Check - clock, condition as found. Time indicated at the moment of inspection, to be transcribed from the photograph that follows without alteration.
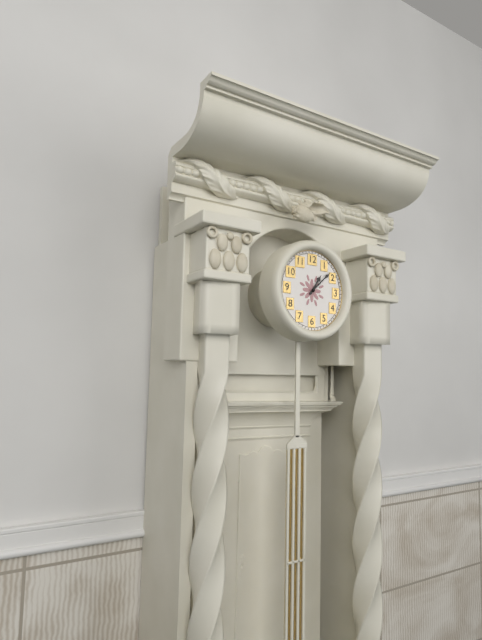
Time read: 1:08
